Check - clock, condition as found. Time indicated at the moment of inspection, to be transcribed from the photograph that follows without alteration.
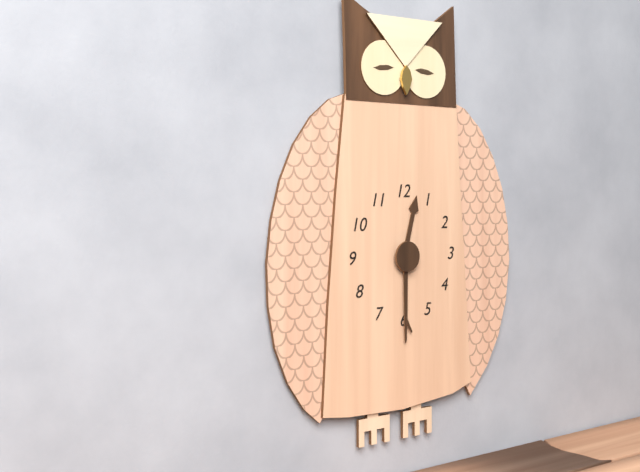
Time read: 12:30
